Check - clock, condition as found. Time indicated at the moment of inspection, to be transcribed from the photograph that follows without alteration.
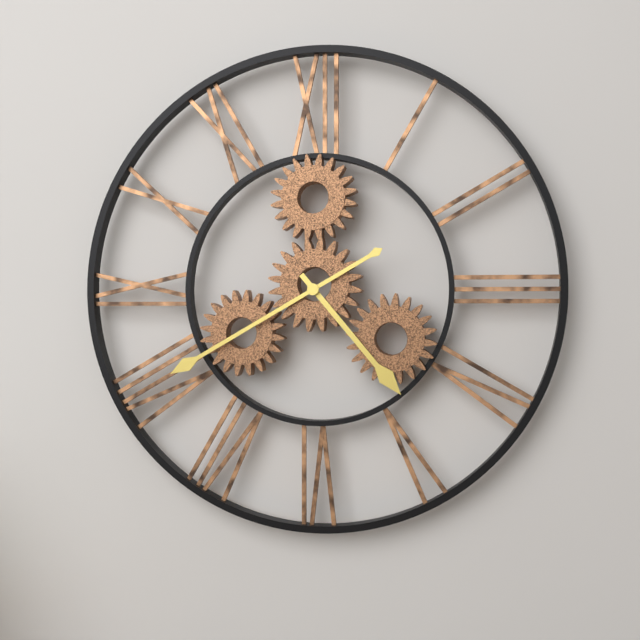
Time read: 4:40
